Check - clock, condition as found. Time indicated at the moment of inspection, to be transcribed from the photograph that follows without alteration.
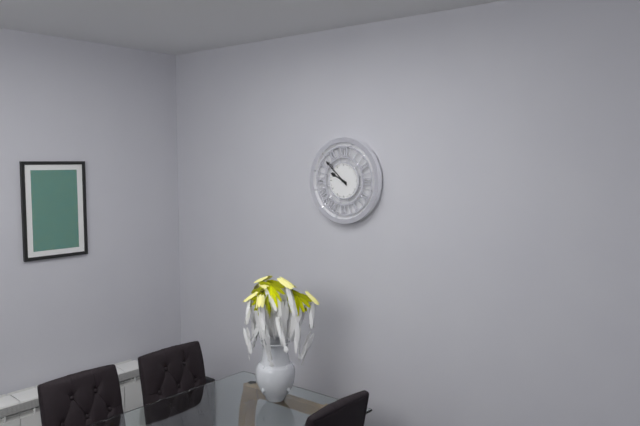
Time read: 9:52
